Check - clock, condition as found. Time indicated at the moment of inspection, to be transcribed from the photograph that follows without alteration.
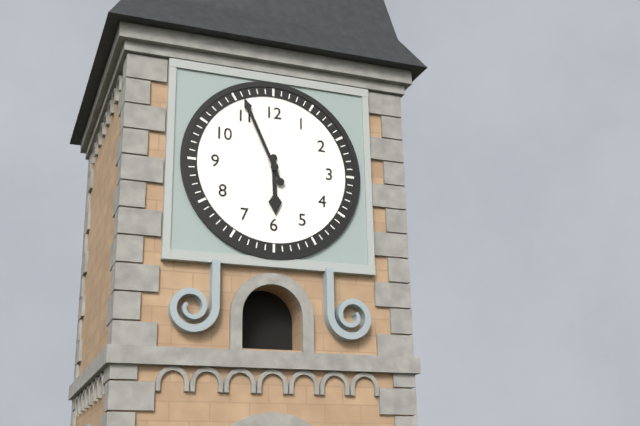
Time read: 5:56
